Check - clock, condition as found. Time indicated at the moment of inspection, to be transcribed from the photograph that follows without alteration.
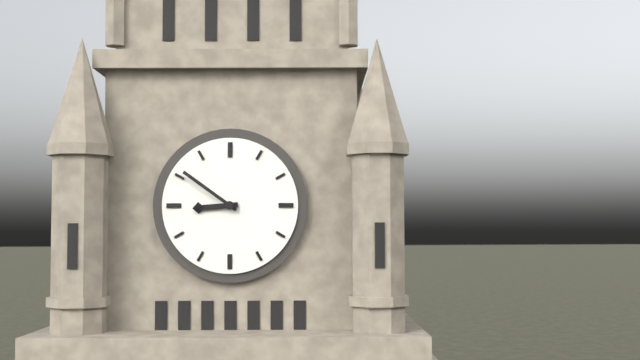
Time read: 8:51
